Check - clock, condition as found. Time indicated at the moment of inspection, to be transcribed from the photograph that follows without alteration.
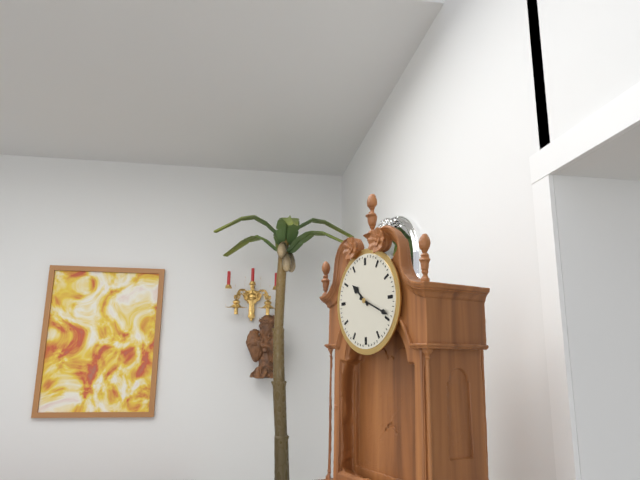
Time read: 10:19
